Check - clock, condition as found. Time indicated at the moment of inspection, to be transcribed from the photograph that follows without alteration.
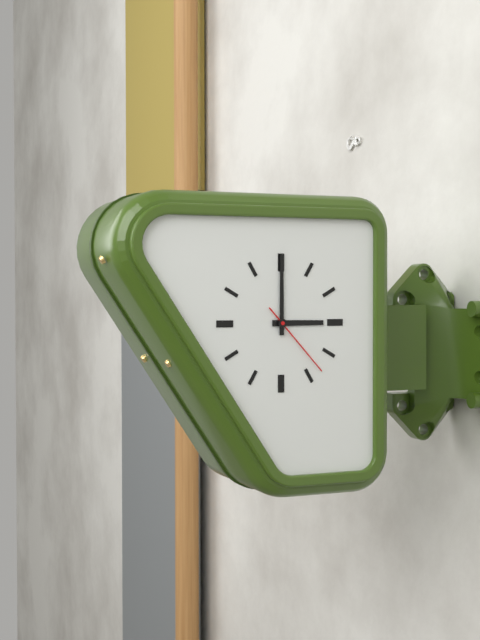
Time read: 3:00:23
